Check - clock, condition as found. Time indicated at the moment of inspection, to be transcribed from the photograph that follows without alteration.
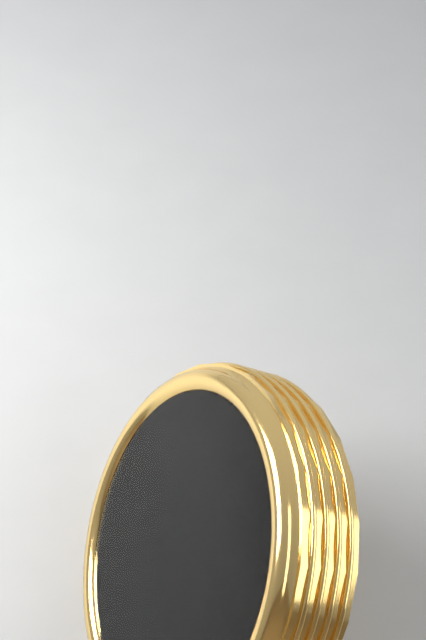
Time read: 6:13:22
